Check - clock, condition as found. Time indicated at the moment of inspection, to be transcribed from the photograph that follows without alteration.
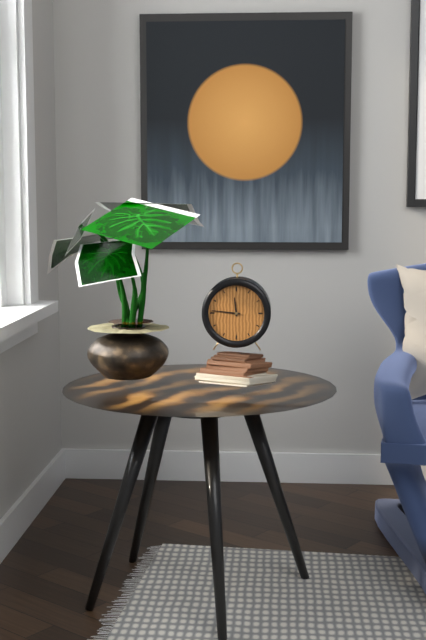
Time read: 11:46
